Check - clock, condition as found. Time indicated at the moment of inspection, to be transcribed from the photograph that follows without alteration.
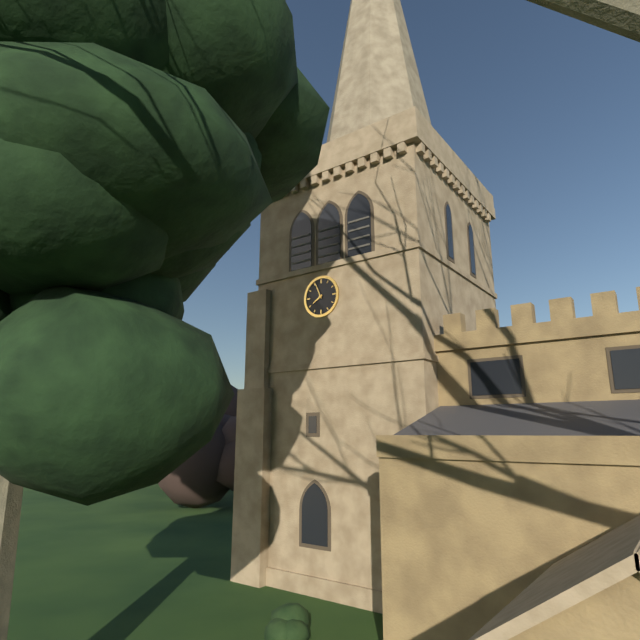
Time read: 7:56
